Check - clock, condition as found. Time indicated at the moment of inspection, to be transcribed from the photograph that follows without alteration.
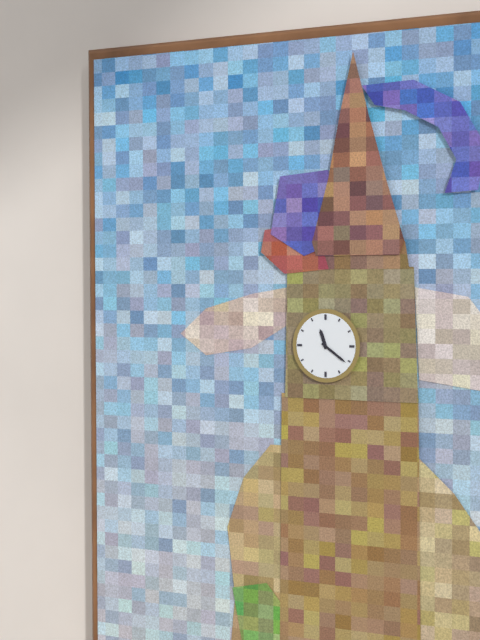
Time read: 11:21
